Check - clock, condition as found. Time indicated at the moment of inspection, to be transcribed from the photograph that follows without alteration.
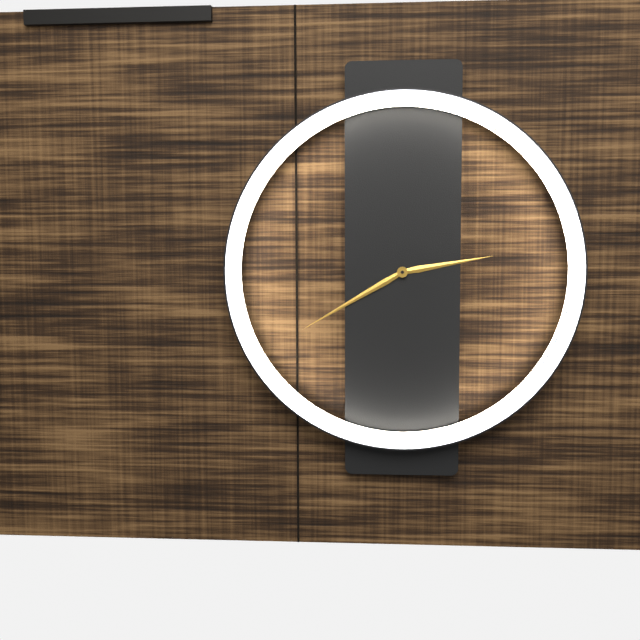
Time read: 2:40
